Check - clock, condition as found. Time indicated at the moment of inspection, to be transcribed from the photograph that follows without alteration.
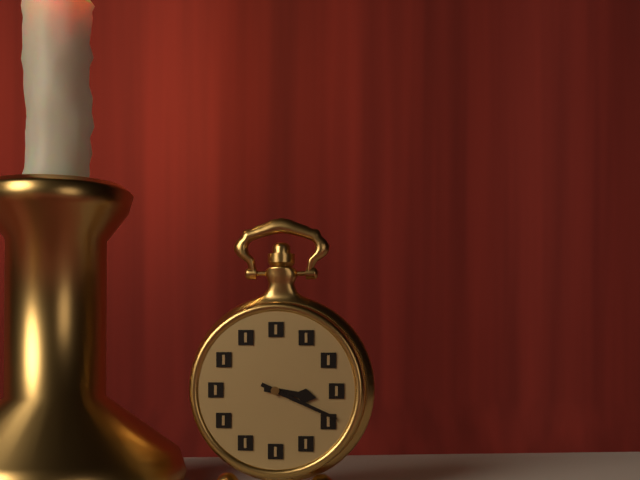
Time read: 3:19
